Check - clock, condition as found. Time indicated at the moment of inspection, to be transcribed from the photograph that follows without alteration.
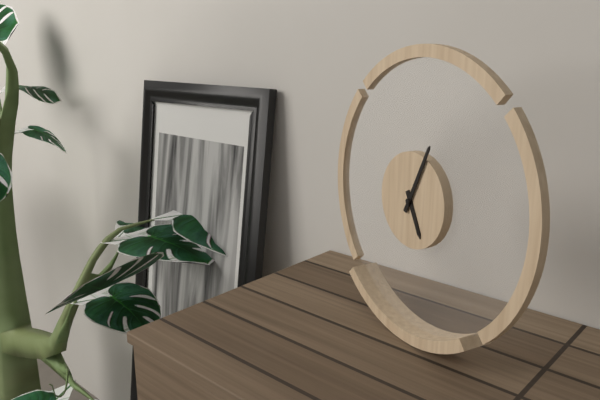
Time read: 5:04
